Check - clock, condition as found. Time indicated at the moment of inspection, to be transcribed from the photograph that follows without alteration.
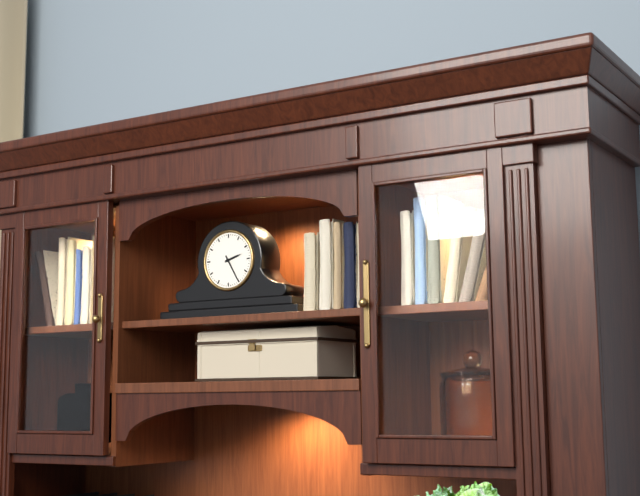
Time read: 2:25
